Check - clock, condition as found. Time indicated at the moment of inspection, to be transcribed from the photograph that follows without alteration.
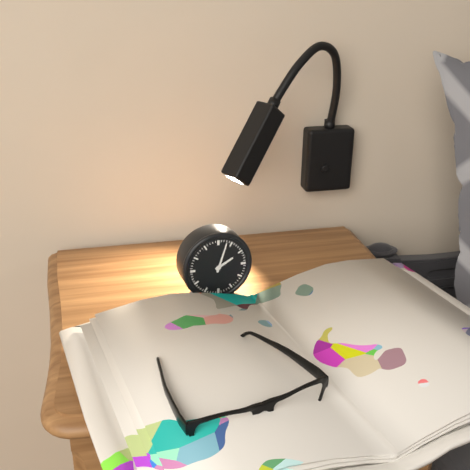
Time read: 2:03
